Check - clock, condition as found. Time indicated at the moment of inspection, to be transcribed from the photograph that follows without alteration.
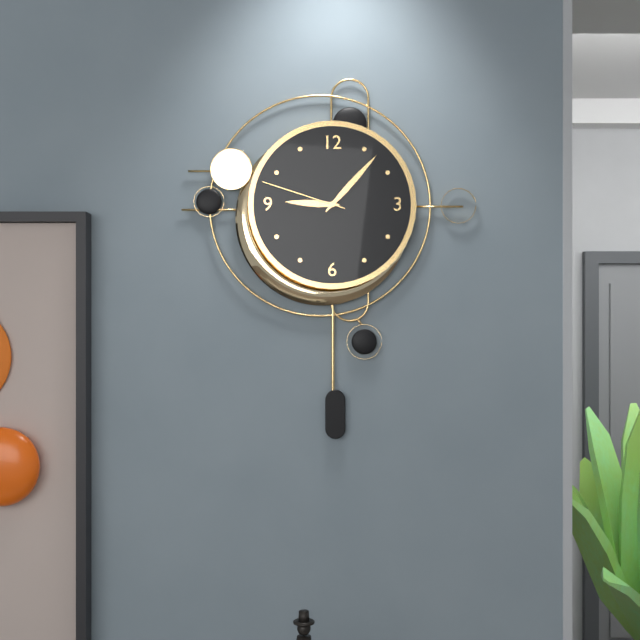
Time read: 9:07:48
